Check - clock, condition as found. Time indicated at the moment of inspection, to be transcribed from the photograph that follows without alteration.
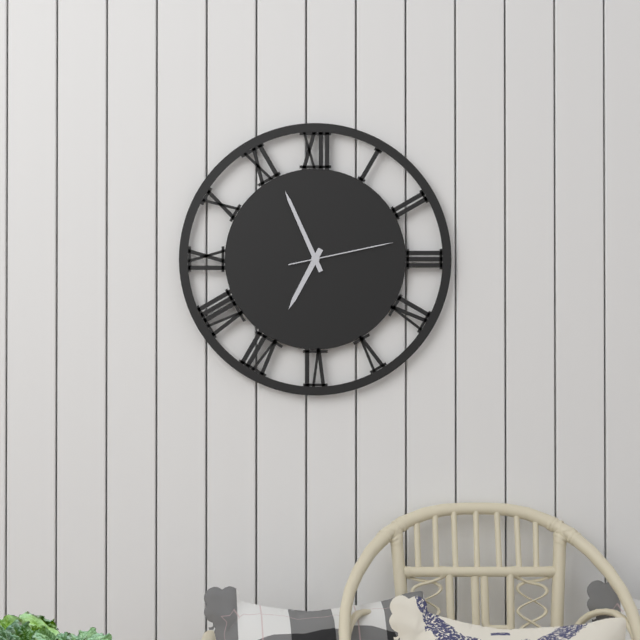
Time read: 6:56:13
